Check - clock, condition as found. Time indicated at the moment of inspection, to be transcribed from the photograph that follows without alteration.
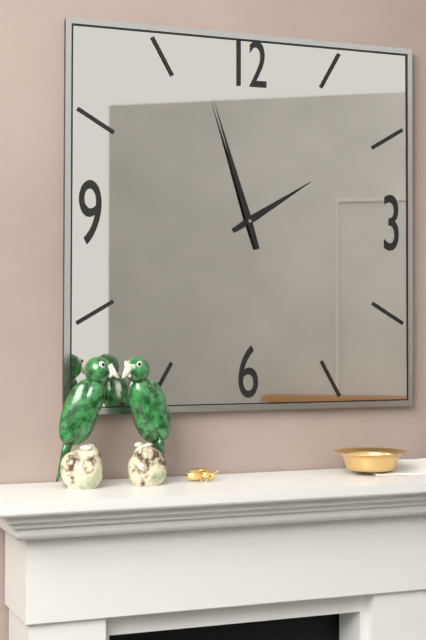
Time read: 1:57
